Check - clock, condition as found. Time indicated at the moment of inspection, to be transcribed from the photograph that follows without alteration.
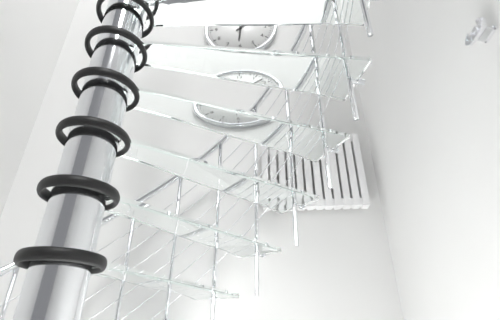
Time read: 6:08
